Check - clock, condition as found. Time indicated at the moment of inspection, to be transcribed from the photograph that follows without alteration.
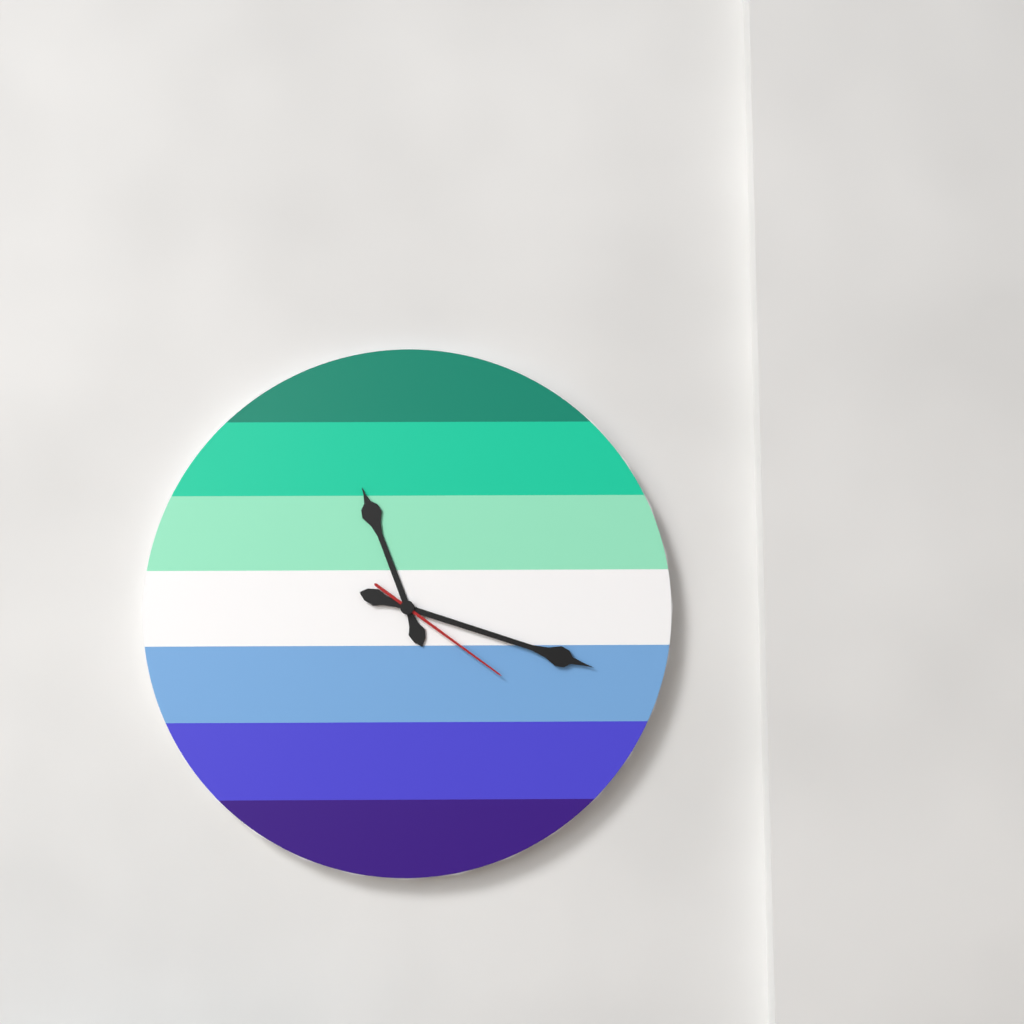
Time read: 11:18:21
